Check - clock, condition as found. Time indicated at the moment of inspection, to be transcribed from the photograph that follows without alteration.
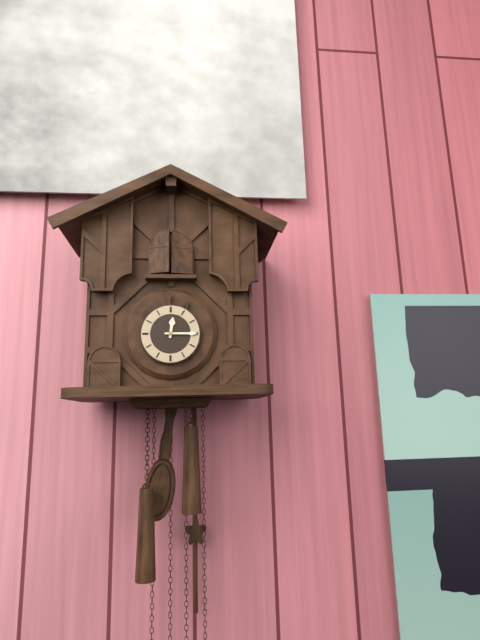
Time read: 12:15
